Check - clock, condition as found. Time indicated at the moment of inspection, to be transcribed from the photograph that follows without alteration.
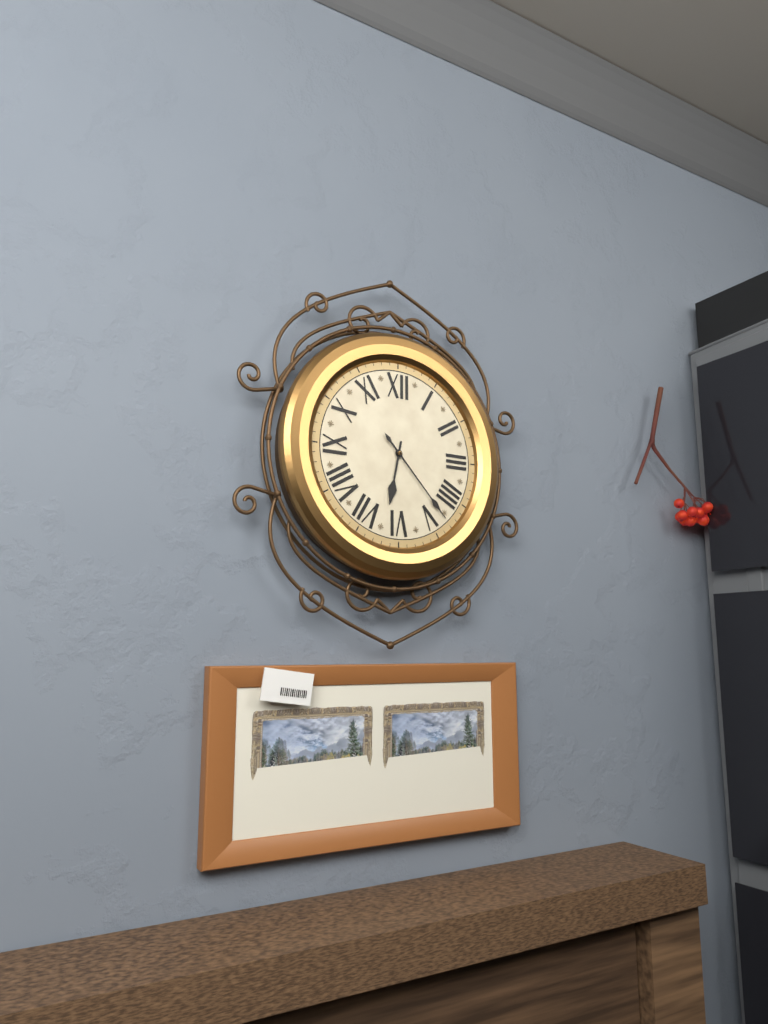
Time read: 6:23
